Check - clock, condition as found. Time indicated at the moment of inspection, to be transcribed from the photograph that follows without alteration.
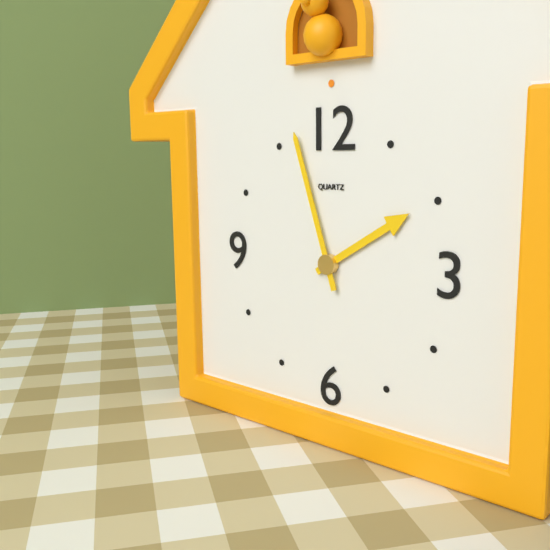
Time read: 1:57
